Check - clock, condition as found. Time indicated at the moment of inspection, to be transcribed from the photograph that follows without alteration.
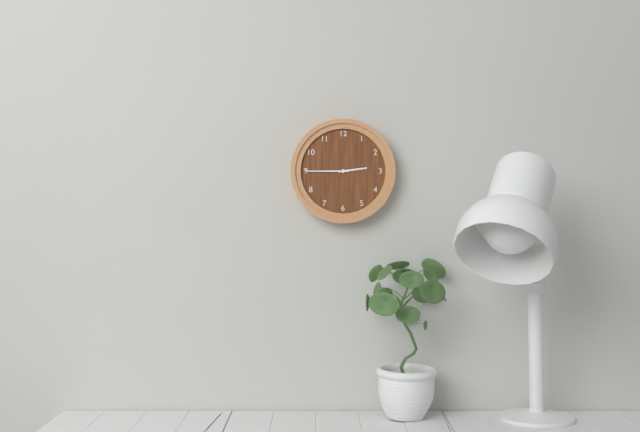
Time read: 2:45
